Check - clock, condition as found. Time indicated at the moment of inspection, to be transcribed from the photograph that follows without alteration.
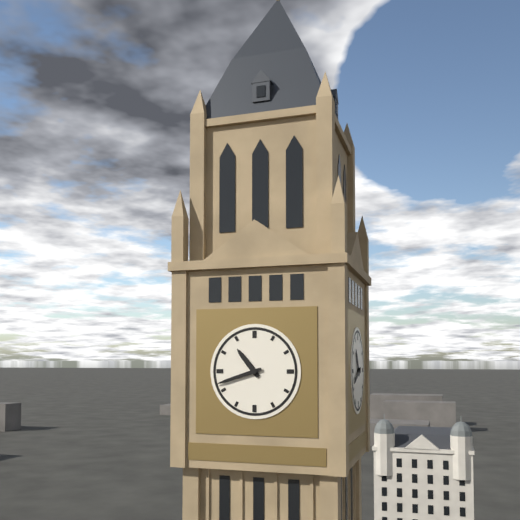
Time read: 10:42
